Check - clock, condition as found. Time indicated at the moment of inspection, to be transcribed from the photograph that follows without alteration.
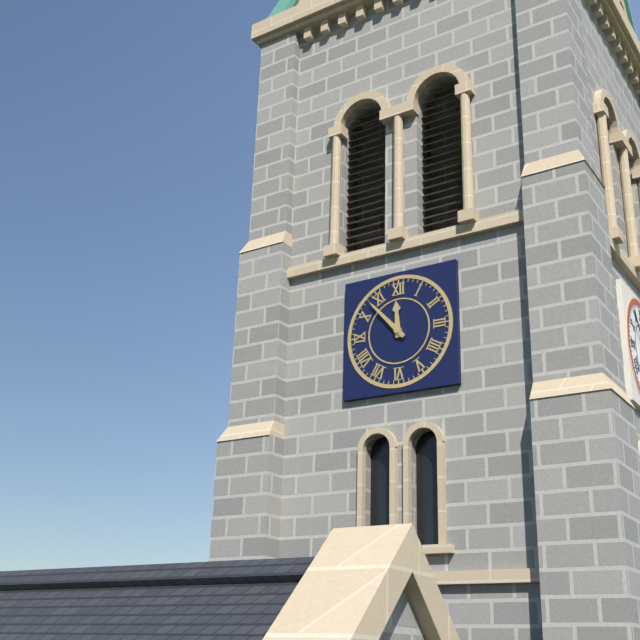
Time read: 11:53
